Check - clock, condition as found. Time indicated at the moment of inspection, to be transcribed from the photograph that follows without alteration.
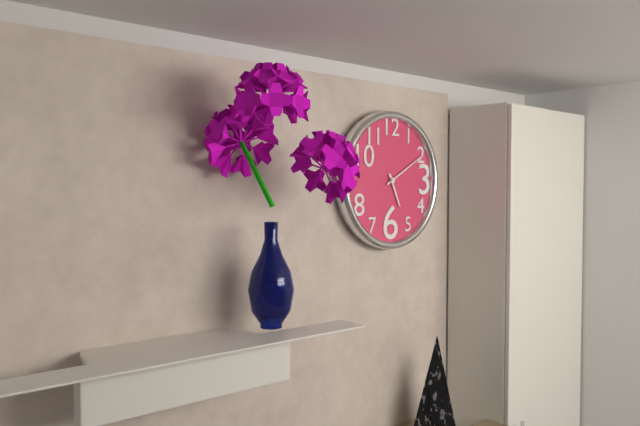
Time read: 5:10
